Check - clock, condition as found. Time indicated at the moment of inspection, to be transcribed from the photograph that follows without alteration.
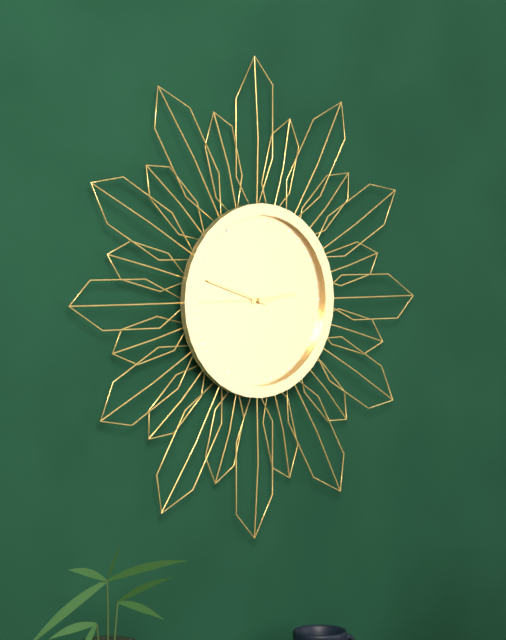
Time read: 2:48:45
